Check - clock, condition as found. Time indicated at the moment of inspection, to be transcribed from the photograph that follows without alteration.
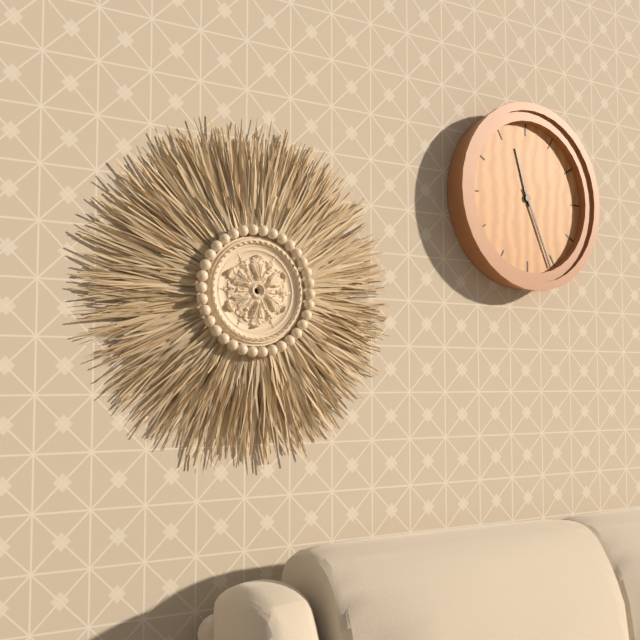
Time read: 11:26
